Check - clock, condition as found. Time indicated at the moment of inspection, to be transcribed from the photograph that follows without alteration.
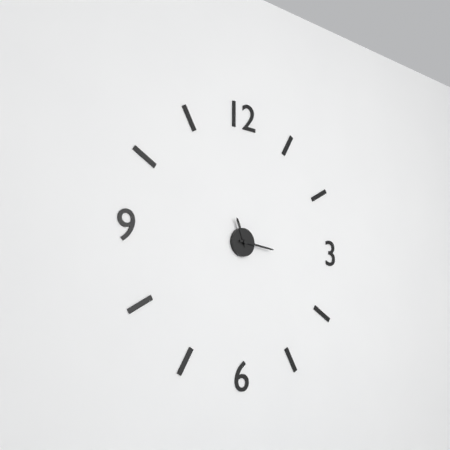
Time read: 11:16
